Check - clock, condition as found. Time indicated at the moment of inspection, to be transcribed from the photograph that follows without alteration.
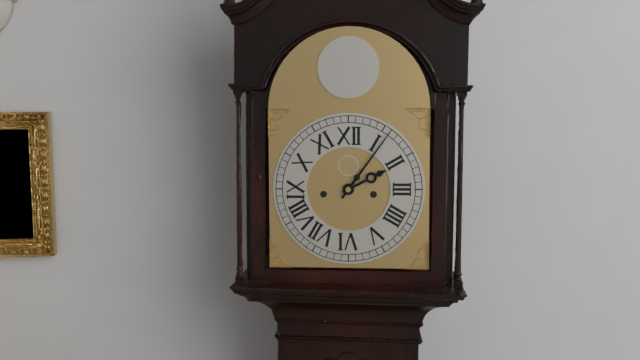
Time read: 2:06
